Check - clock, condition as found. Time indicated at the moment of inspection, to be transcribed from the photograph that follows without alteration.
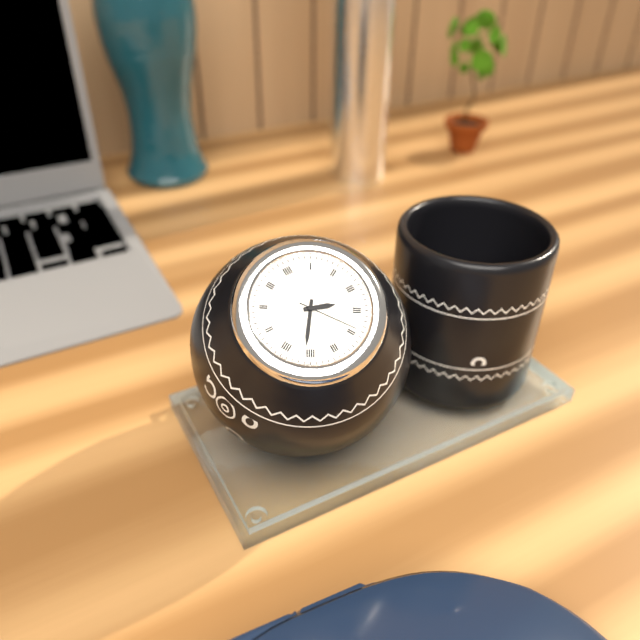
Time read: 3:36:24
